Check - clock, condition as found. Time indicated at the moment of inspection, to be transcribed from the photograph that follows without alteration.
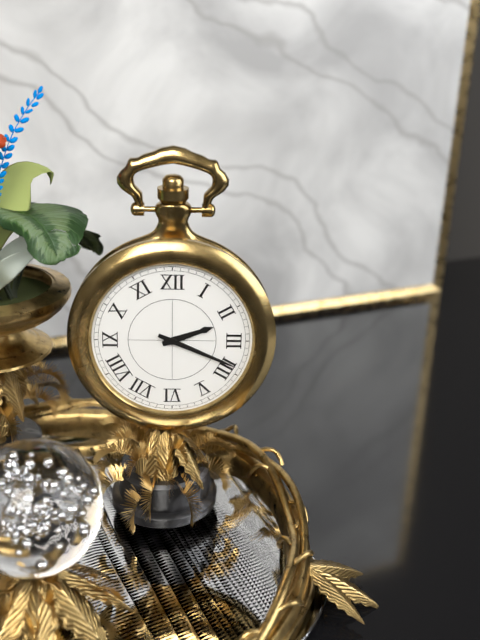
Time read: 2:19
